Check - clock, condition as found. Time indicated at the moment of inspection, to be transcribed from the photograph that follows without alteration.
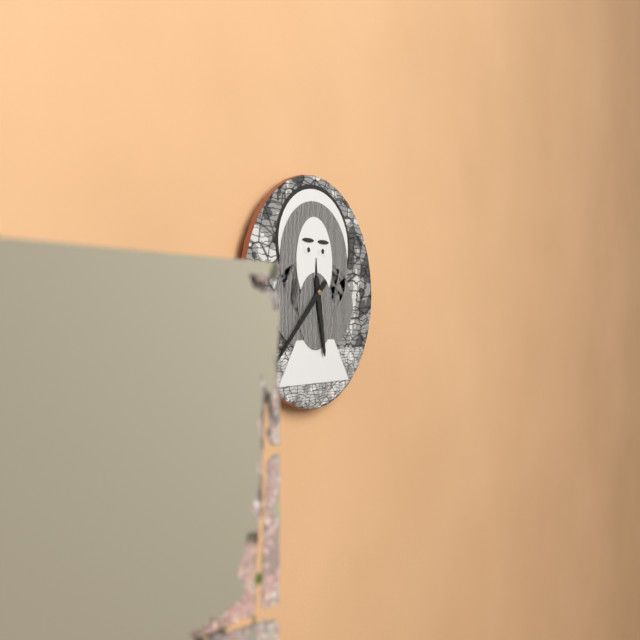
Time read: 5:38
